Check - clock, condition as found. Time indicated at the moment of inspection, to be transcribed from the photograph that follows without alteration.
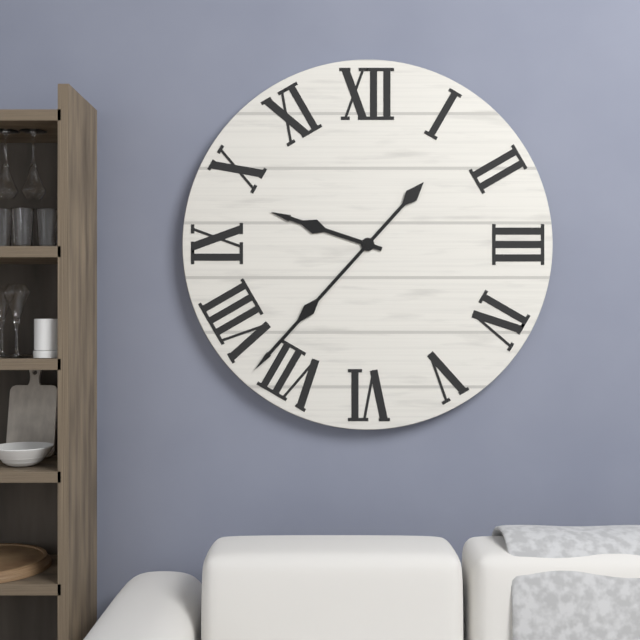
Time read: 9:37
